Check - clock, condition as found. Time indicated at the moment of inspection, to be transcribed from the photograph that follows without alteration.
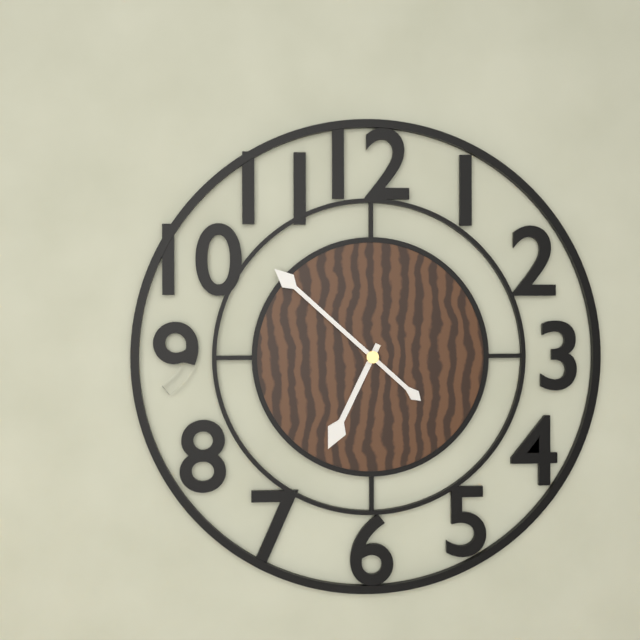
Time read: 6:52
